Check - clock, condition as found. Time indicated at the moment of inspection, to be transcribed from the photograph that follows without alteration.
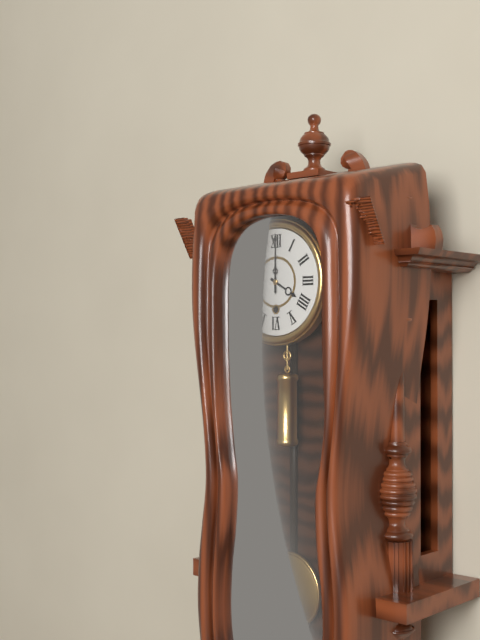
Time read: 4:00
